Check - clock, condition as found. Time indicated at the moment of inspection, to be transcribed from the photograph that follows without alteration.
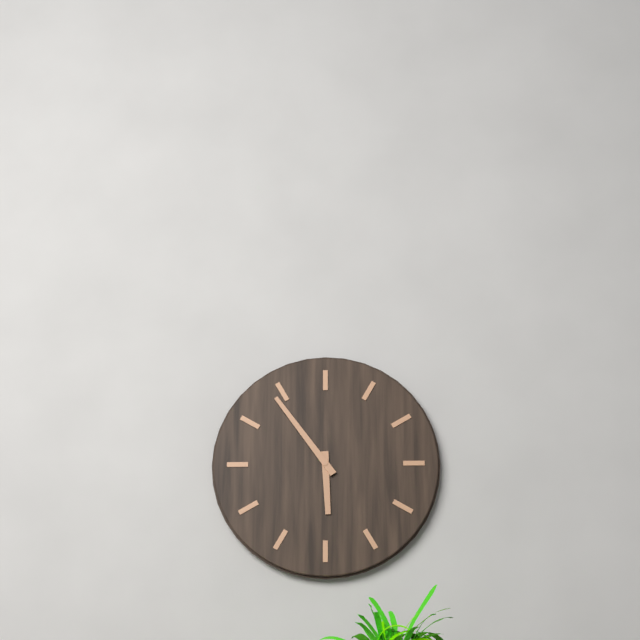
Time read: 5:54
